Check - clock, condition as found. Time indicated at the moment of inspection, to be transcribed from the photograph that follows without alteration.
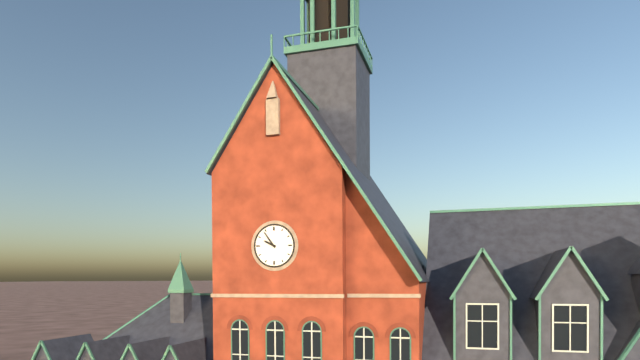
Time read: 9:54
